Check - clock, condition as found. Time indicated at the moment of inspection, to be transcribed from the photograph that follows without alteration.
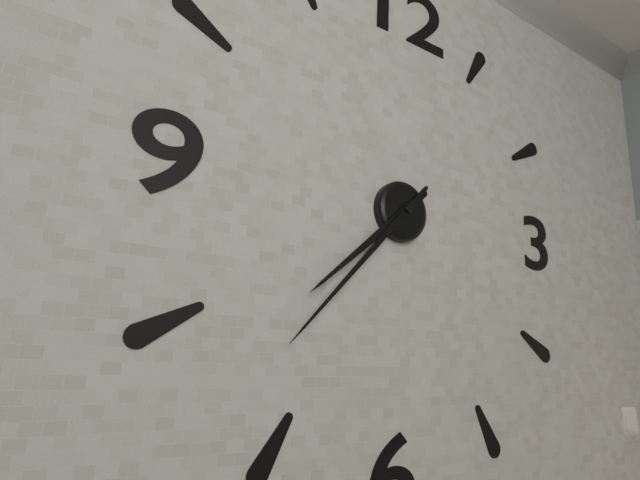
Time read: 7:37
